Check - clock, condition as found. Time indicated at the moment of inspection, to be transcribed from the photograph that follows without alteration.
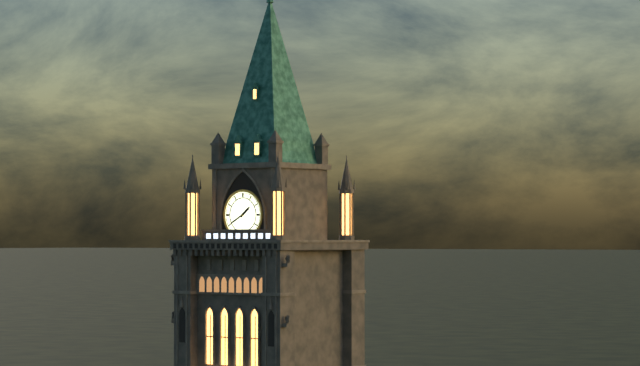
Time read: 1:40
